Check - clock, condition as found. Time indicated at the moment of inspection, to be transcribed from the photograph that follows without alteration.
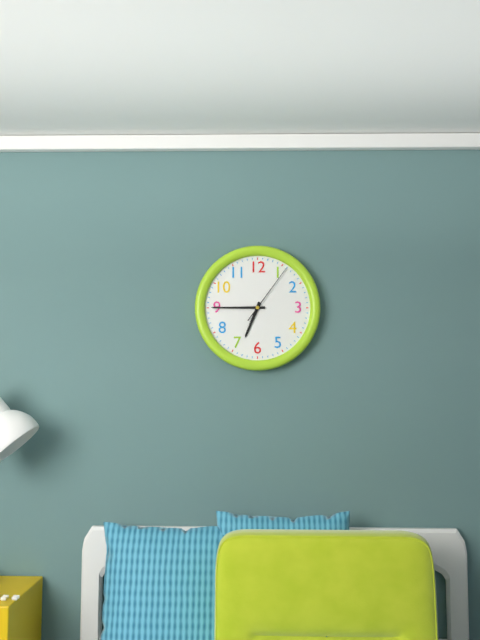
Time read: 6:45:06
